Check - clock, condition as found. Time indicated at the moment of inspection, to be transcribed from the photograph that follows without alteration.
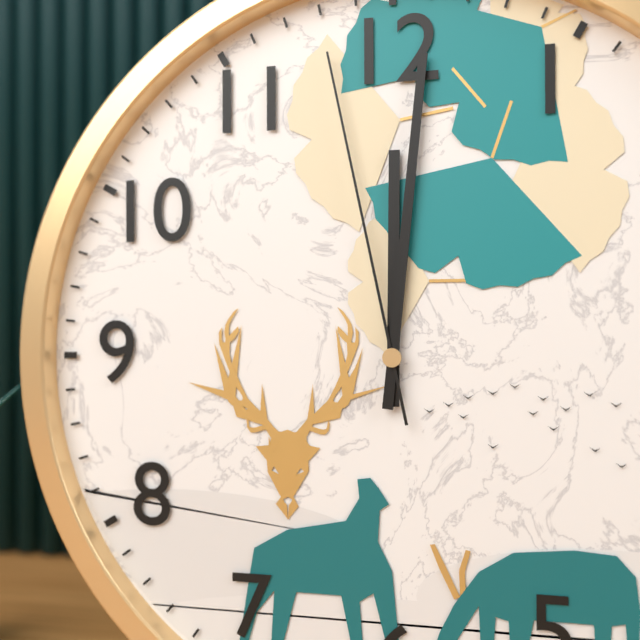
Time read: 12:01:58
